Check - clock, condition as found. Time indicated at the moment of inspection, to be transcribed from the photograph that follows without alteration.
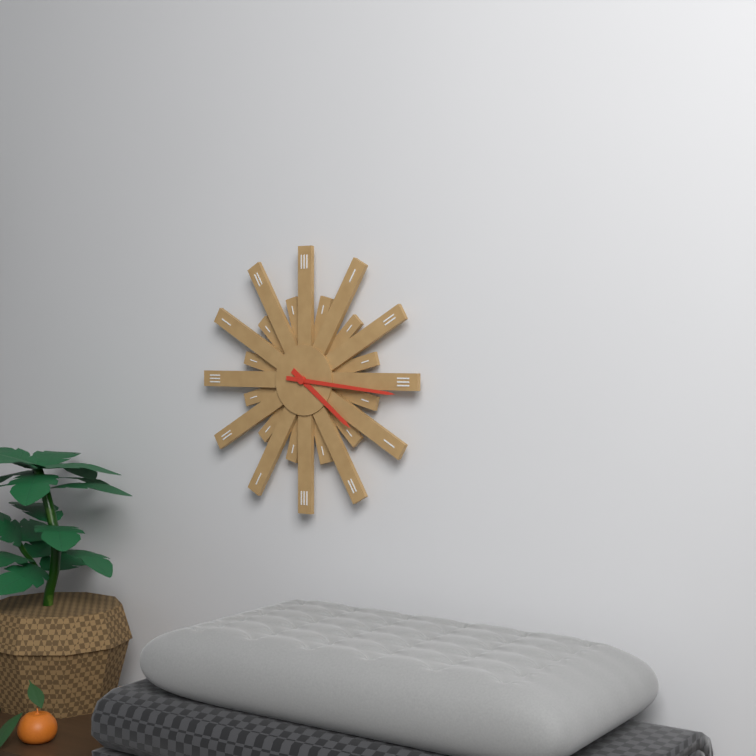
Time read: 4:16
